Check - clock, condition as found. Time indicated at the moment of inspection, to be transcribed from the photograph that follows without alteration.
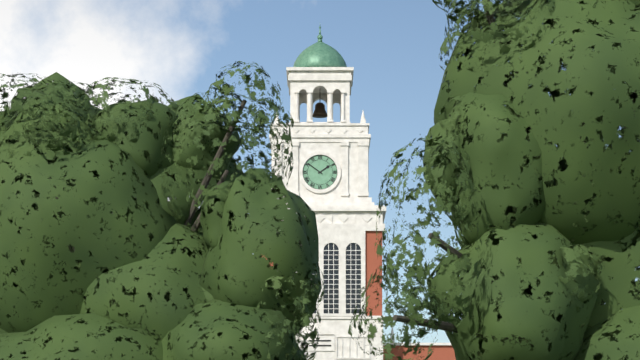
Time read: 1:51
